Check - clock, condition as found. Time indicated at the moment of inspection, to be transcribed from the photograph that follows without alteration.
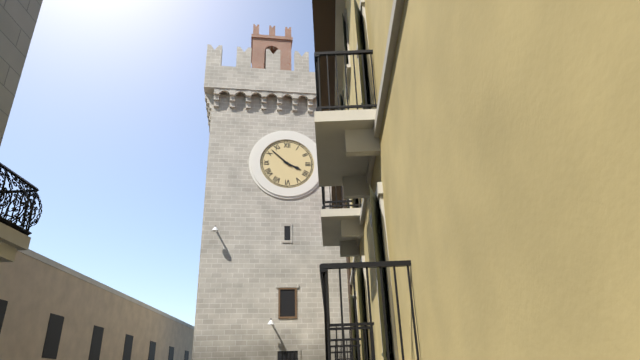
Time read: 3:52
